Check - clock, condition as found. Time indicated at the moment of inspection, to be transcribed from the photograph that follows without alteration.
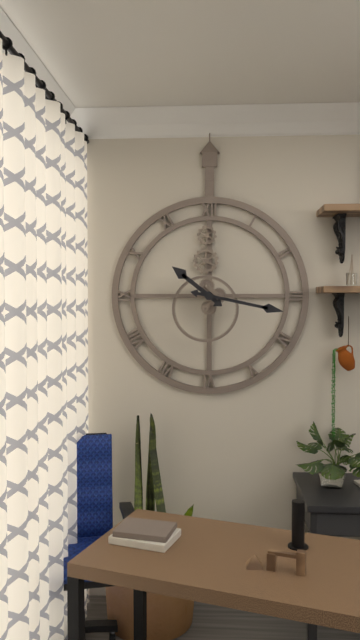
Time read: 10:17
